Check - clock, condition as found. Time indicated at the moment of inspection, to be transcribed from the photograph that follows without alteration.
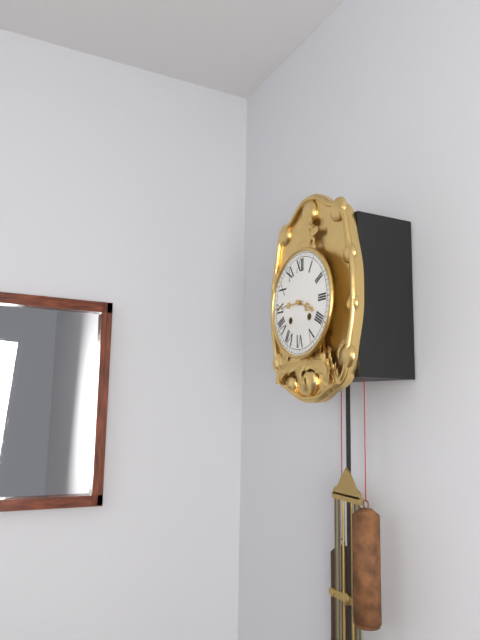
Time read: 3:45
